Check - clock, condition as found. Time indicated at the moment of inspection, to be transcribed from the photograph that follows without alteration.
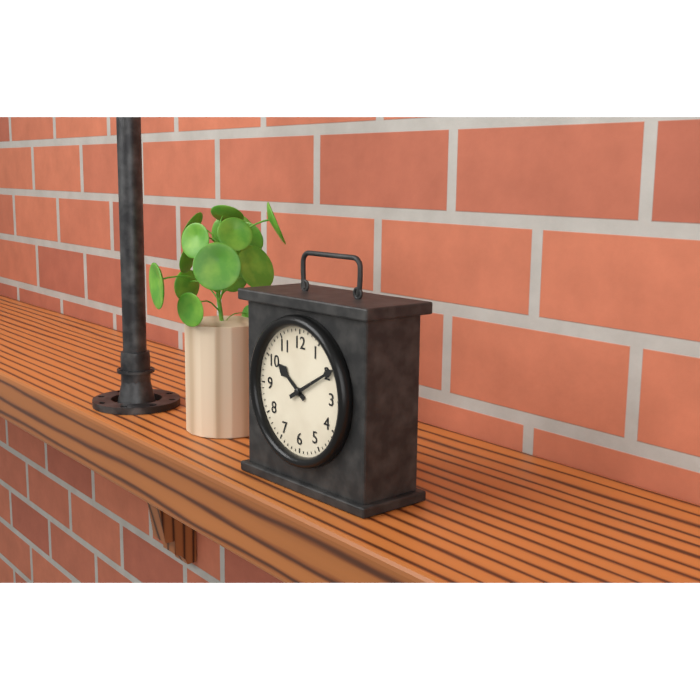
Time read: 10:10
